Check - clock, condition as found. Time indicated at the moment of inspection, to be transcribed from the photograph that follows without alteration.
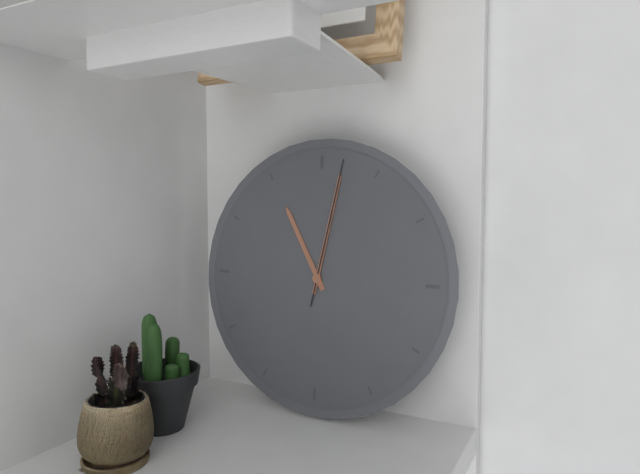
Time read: 11:02:02
